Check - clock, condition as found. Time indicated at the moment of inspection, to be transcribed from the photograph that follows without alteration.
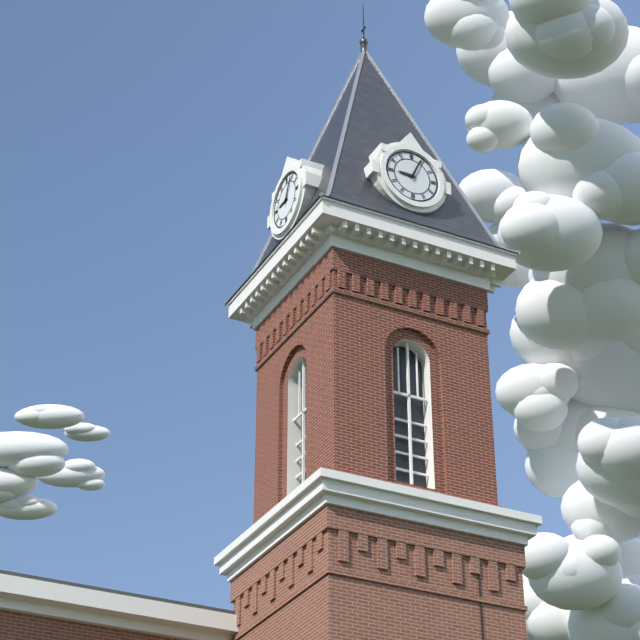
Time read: 9:04
